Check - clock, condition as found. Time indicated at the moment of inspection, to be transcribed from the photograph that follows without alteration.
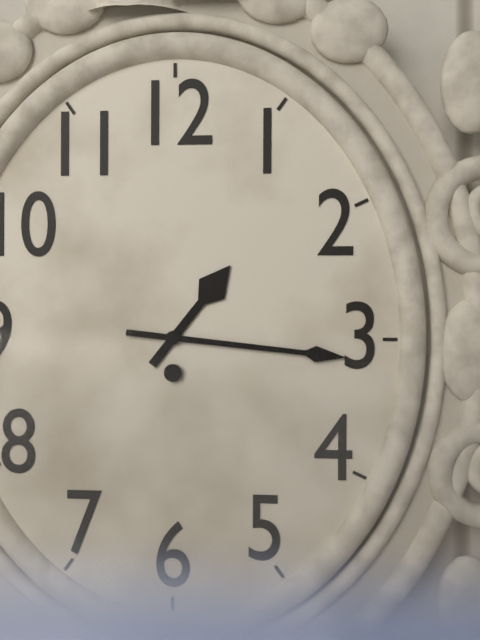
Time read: 1:16
